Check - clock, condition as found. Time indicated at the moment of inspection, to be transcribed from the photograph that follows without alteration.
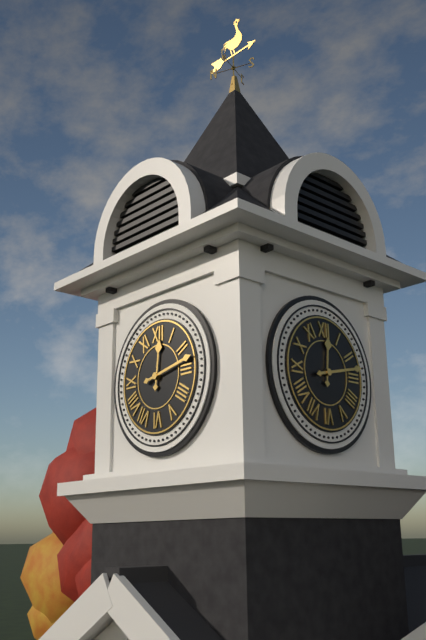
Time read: 12:13
